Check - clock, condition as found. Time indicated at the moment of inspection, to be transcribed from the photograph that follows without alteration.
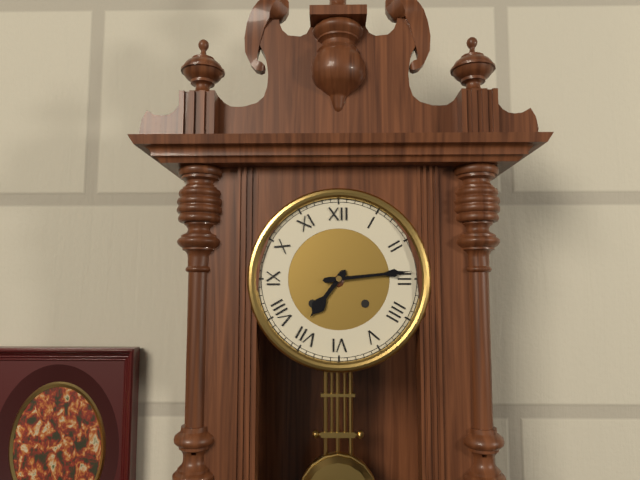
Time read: 7:14
